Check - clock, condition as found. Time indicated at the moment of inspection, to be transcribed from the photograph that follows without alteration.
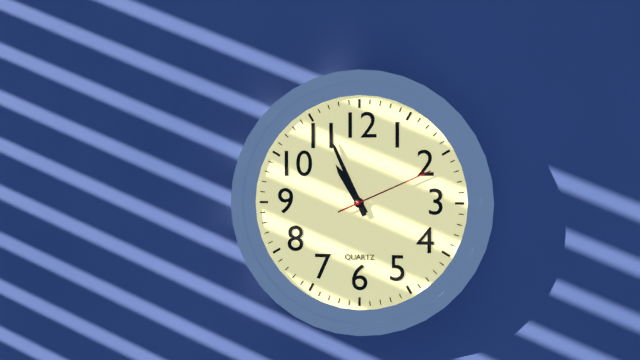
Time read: 10:56:11
